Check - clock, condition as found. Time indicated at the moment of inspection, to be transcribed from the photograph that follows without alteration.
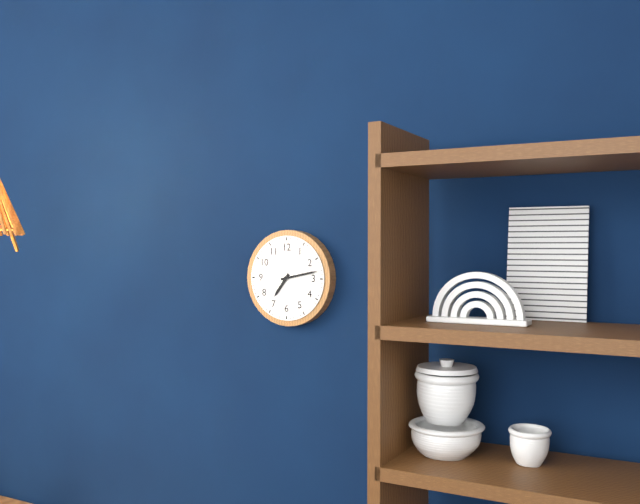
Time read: 7:13
